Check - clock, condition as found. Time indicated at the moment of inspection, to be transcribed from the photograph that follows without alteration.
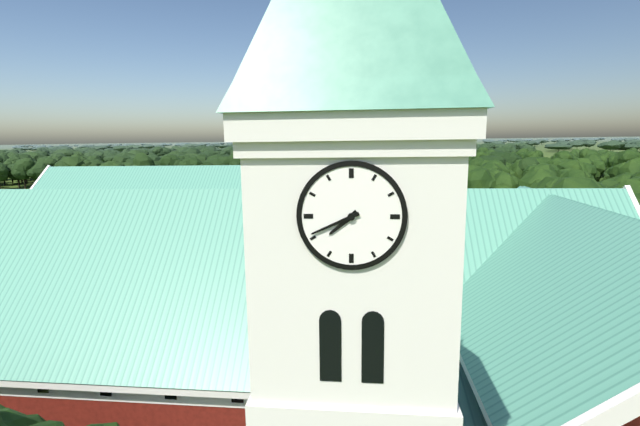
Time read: 7:41
